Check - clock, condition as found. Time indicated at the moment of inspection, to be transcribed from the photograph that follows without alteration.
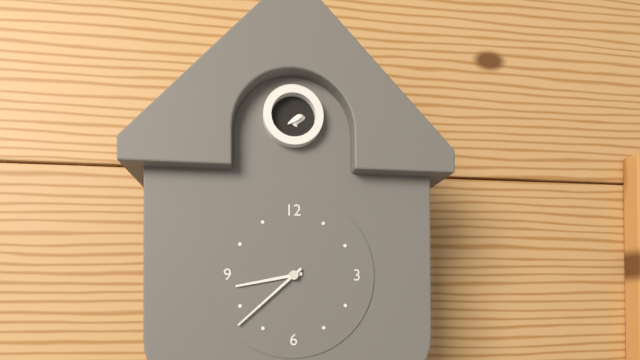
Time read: 8:38
